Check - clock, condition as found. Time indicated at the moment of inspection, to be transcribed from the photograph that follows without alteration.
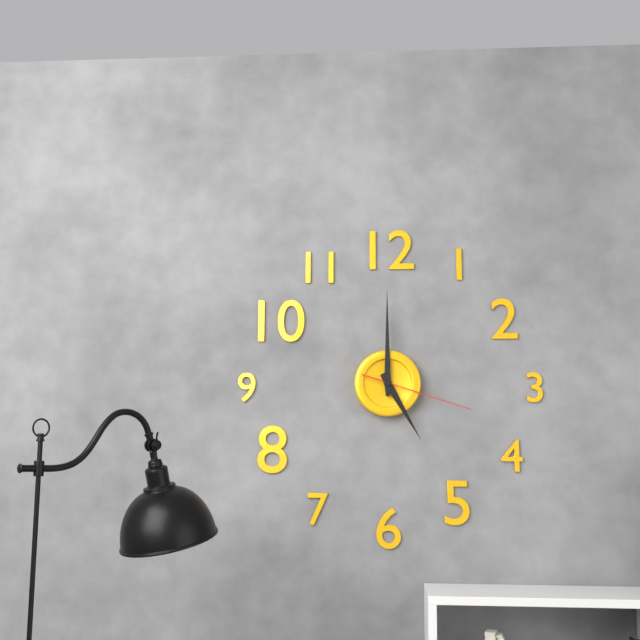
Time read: 5:00:18
